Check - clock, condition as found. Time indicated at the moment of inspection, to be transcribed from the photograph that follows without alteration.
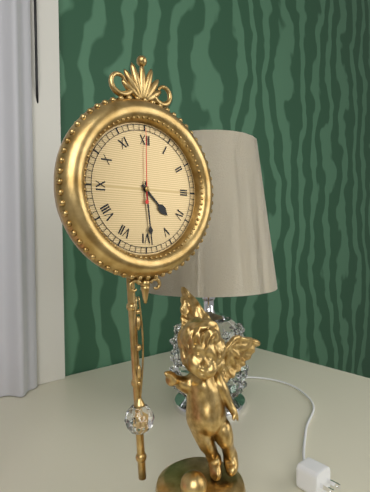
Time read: 4:29:00
